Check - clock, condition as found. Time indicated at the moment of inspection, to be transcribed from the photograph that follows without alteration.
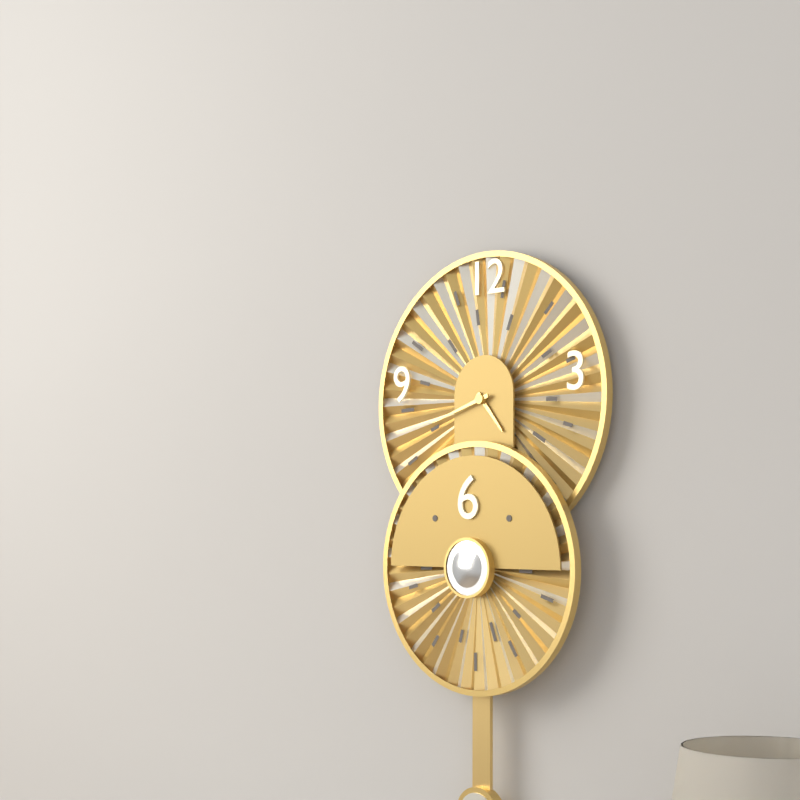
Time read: 4:42
